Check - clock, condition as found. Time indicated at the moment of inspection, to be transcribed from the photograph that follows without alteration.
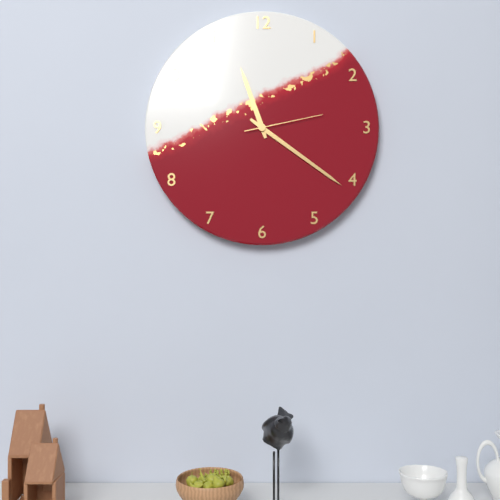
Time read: 11:21:13
